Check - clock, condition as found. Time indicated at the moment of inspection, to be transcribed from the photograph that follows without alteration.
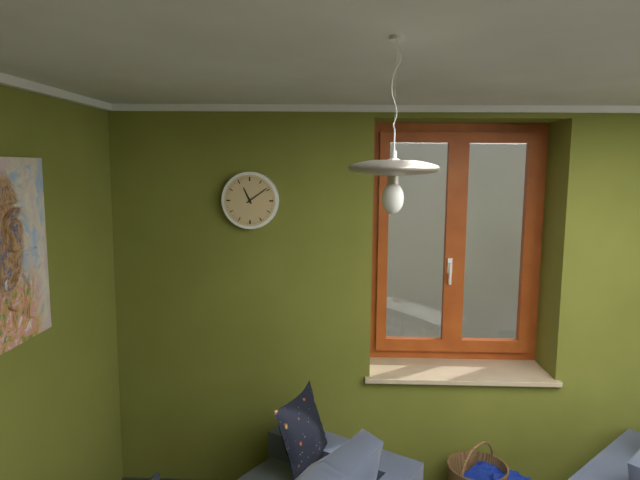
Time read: 11:09
